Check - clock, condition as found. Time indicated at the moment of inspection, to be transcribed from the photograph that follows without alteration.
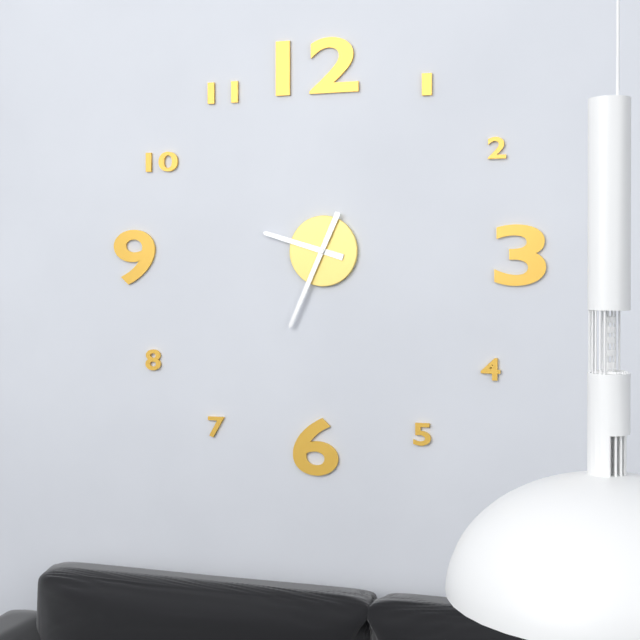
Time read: 9:34
